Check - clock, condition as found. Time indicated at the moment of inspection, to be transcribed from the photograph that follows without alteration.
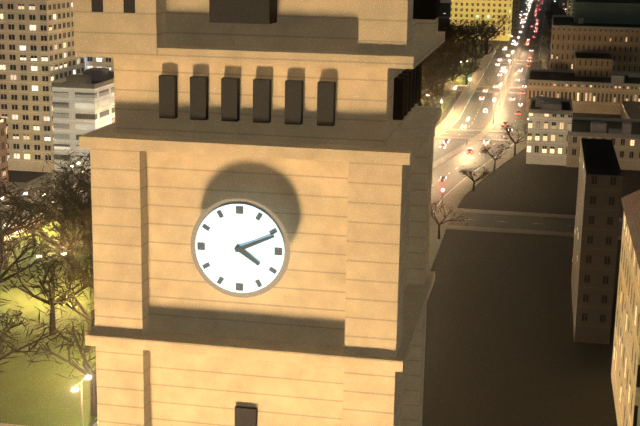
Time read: 4:11
